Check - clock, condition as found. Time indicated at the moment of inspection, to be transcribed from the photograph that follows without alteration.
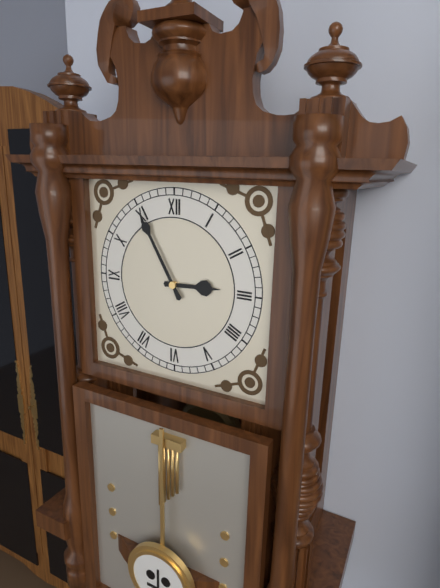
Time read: 2:55
